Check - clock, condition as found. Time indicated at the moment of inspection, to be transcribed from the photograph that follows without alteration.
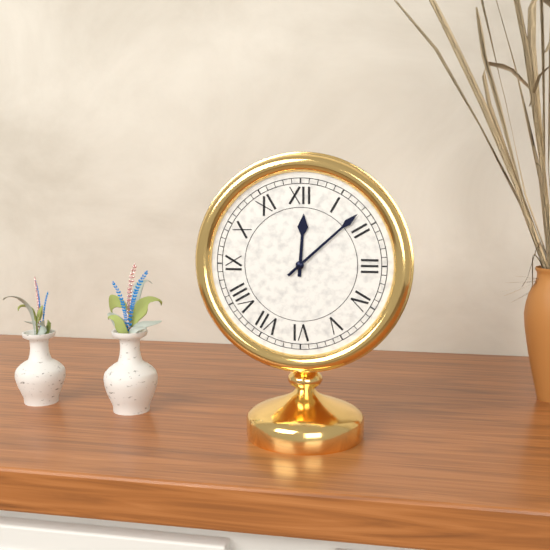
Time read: 12:08
